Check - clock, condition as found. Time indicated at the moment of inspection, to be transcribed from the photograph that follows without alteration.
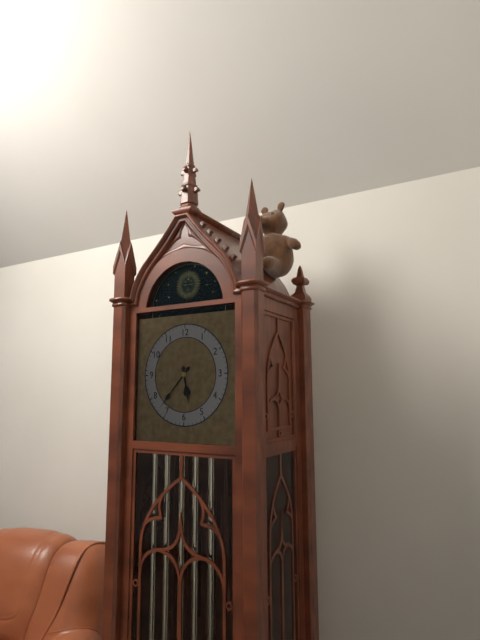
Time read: 5:37
